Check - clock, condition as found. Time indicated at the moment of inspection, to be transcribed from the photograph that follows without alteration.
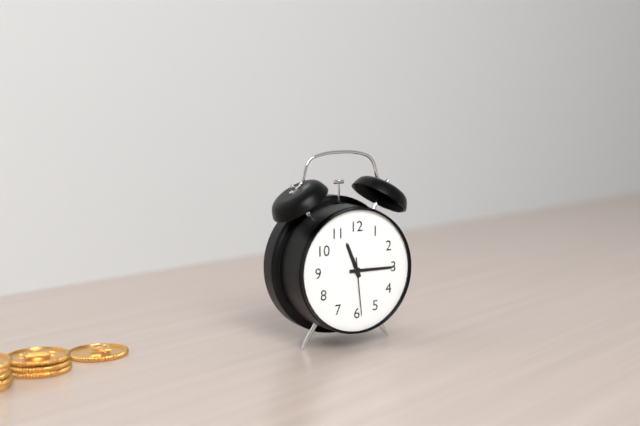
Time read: 11:15:29
